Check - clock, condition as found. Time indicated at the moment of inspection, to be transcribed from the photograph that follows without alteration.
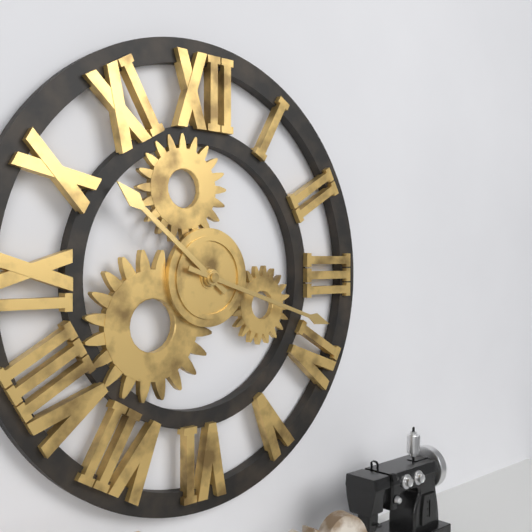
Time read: 10:18
